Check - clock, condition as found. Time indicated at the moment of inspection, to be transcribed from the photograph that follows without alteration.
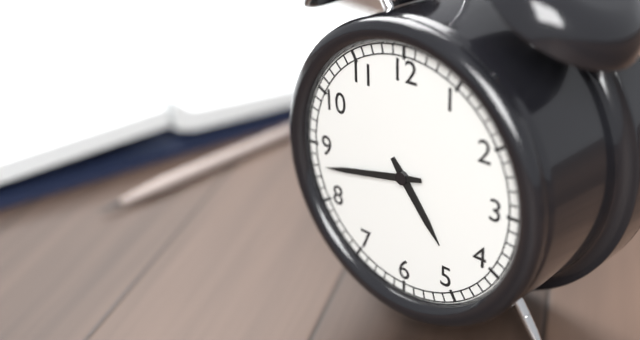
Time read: 4:43
